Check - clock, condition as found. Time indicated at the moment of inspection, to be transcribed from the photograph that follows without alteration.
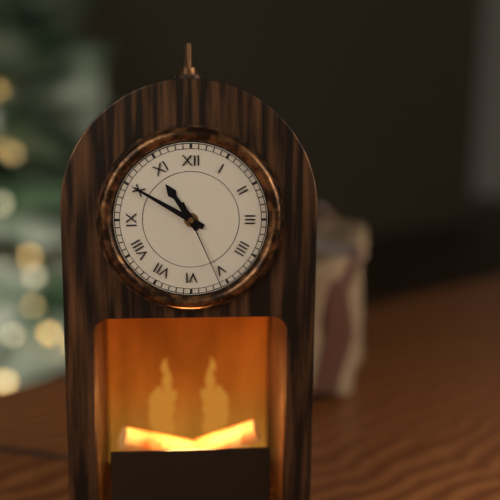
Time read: 10:50:26
